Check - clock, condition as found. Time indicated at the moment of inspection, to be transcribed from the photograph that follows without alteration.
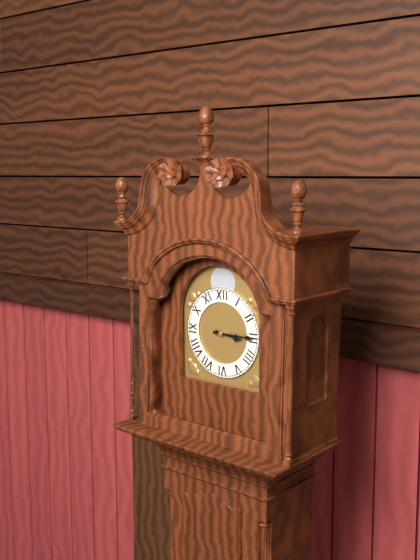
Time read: 3:15
